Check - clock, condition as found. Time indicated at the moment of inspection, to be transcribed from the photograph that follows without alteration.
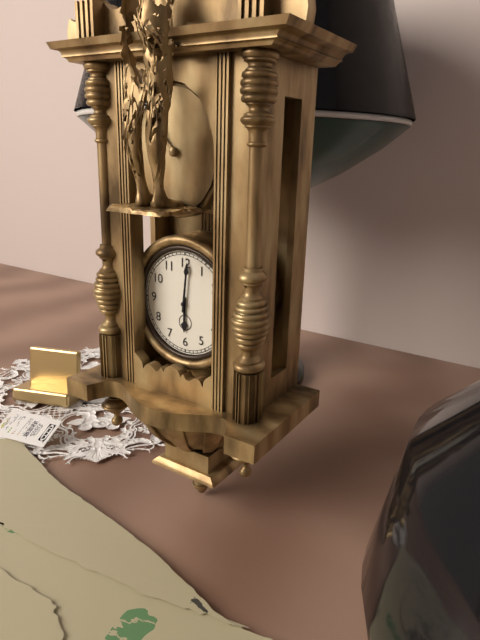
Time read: 6:01
